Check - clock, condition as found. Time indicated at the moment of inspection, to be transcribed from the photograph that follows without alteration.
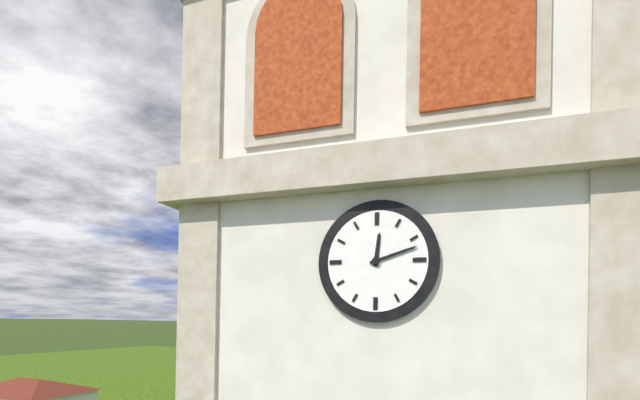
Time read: 12:12
